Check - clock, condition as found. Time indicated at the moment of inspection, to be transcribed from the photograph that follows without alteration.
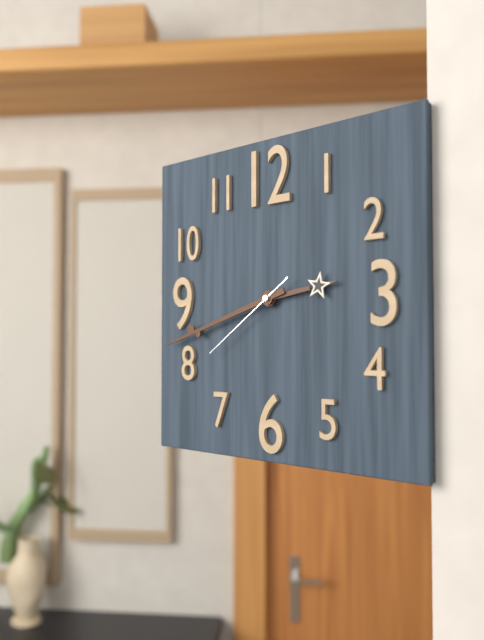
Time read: 2:42:39
